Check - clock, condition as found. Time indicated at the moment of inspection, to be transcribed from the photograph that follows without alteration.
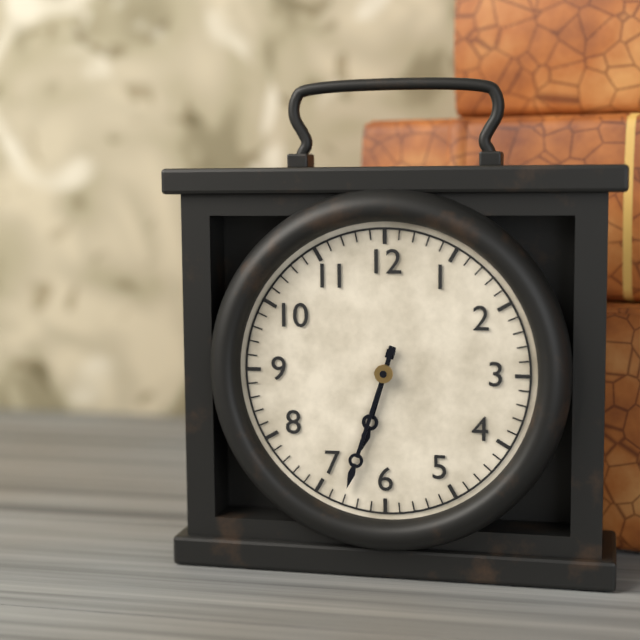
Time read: 6:33
